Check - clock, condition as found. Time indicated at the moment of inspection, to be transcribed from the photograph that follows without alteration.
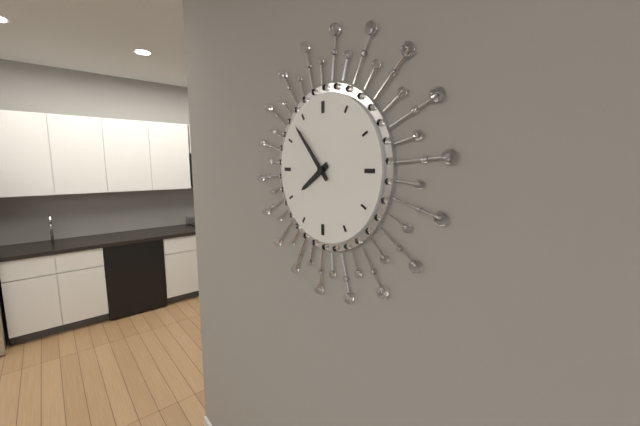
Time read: 7:53
